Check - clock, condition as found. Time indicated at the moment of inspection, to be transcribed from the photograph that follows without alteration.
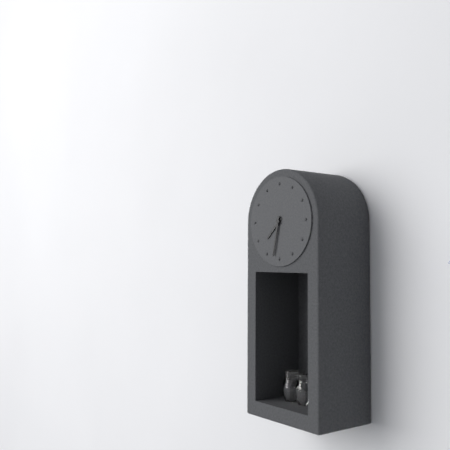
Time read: 7:32
